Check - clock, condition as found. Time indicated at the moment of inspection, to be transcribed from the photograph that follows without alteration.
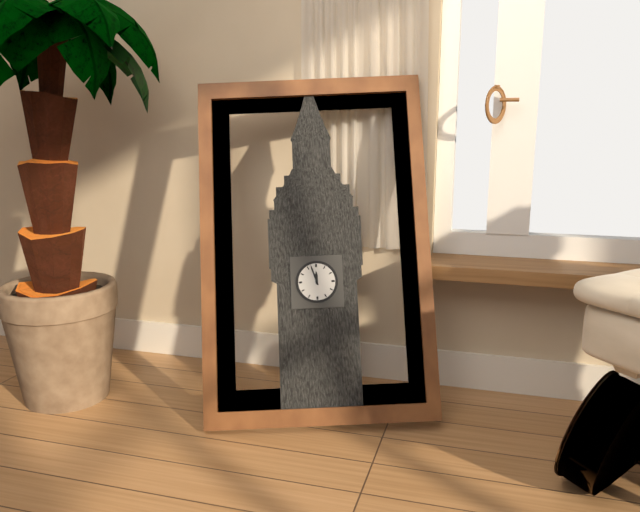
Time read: 11:57
